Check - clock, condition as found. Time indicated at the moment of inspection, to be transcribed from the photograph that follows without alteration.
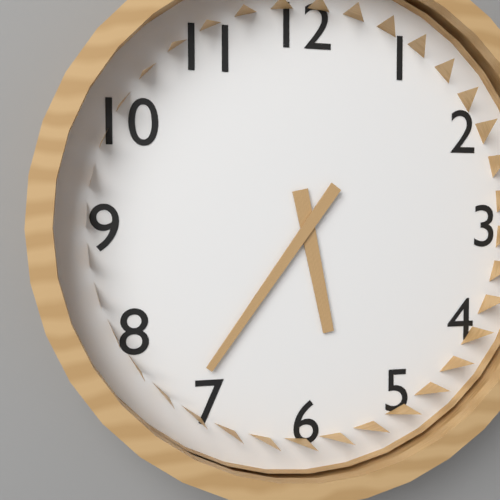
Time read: 5:36
